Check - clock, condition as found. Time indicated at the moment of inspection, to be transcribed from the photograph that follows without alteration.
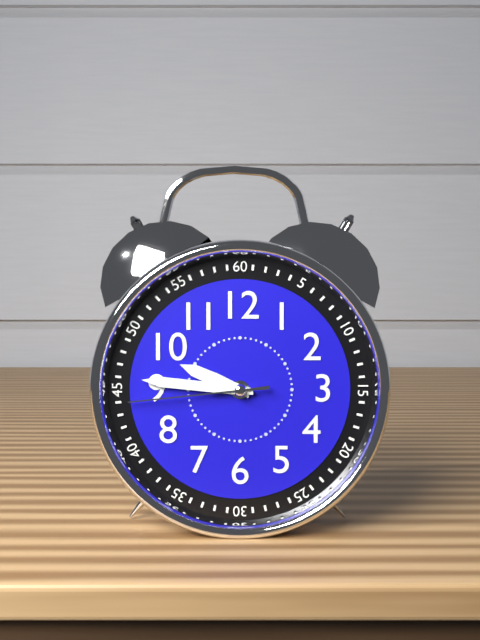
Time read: 9:46:44
